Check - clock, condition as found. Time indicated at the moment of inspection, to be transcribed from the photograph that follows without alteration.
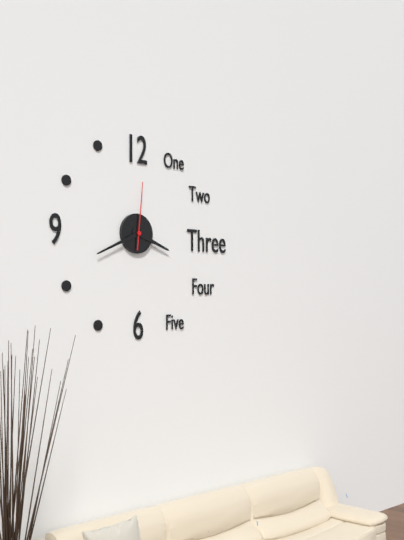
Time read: 3:41:01
